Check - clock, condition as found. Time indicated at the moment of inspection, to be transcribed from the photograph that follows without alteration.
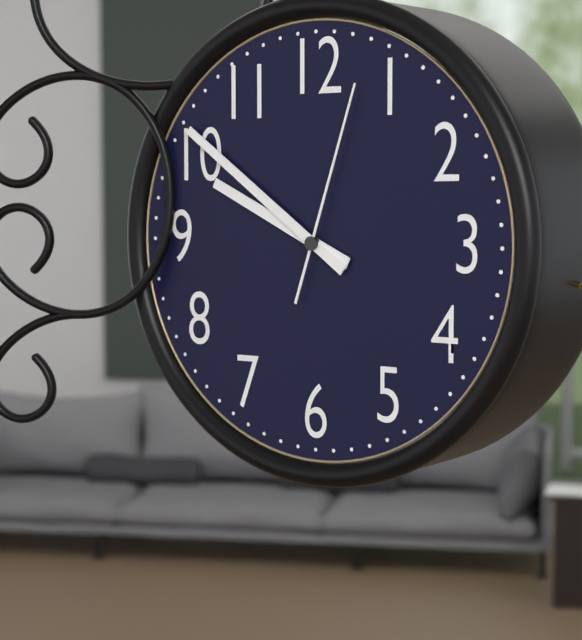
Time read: 9:51:03
